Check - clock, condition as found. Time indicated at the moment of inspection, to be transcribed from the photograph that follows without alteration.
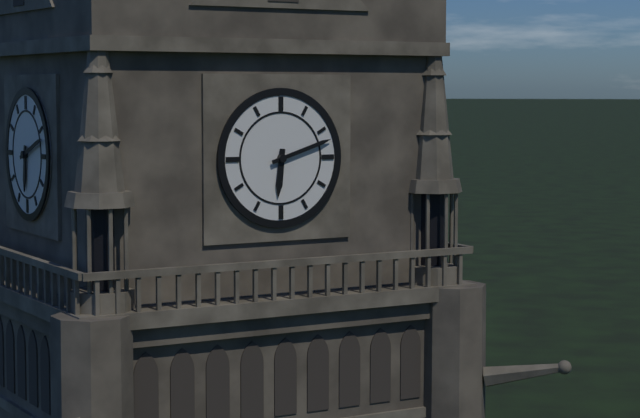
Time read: 6:12
